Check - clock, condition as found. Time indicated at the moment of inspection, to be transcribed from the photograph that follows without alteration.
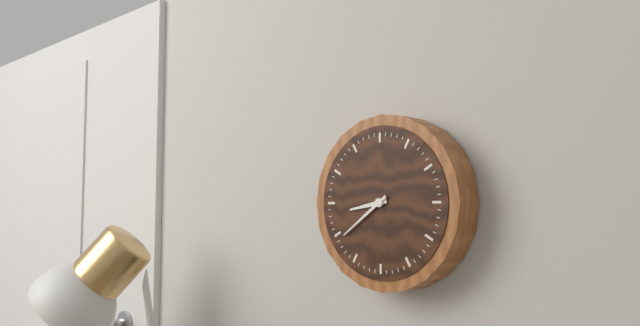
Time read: 8:39
